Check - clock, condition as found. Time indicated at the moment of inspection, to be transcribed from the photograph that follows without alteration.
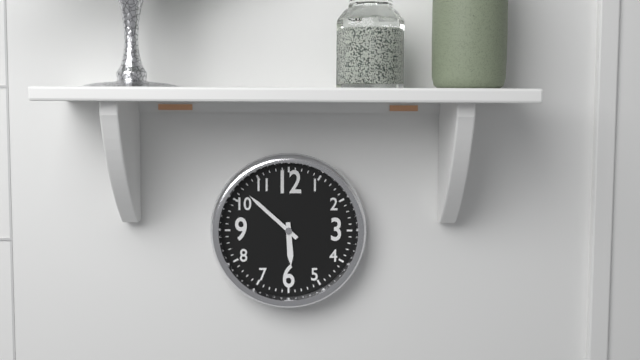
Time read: 5:52
